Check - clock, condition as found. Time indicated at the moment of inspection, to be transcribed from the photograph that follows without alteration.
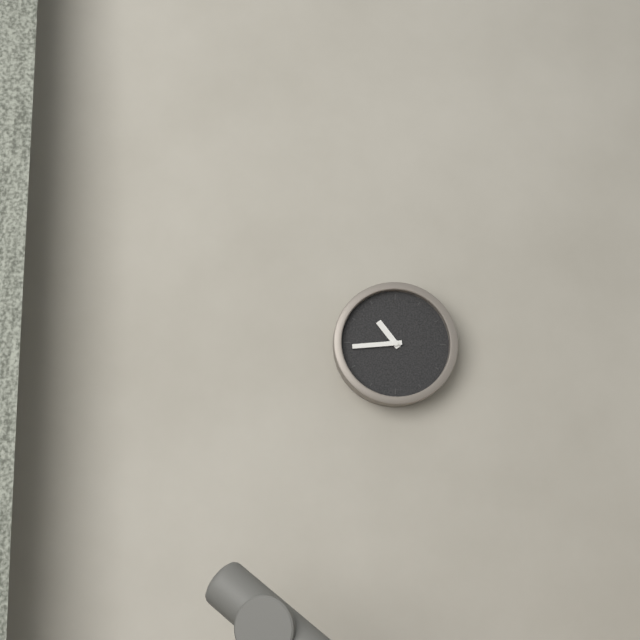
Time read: 10:44
